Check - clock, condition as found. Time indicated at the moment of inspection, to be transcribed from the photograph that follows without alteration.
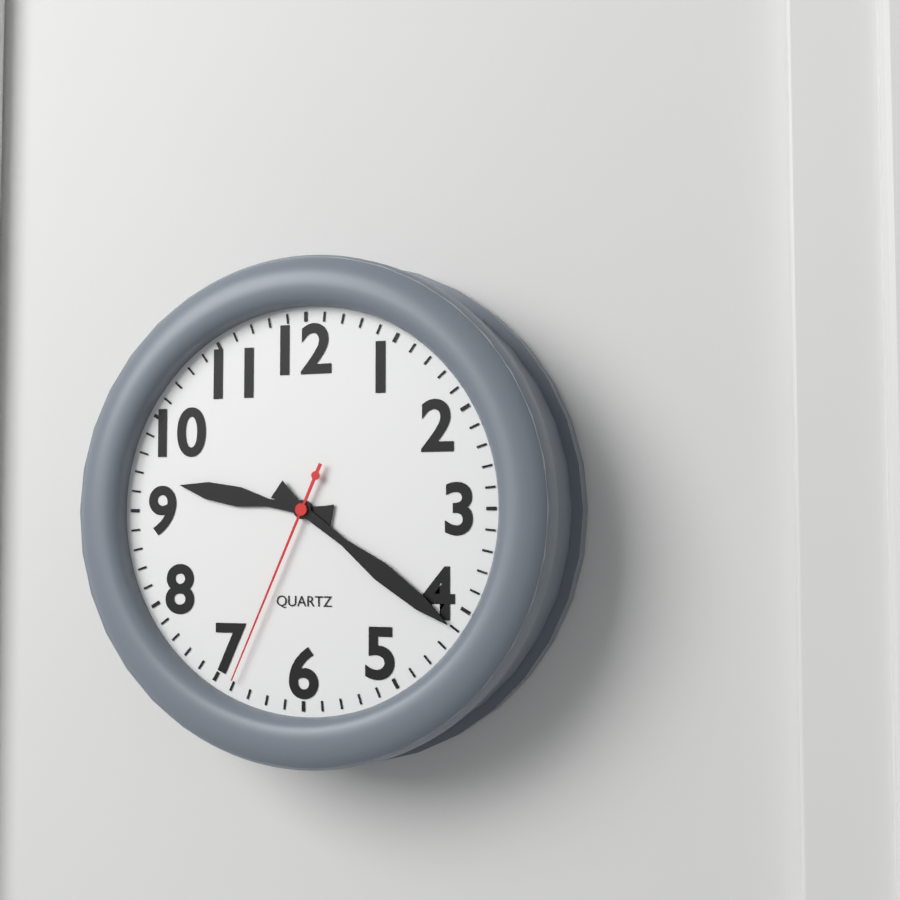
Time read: 9:21:34
